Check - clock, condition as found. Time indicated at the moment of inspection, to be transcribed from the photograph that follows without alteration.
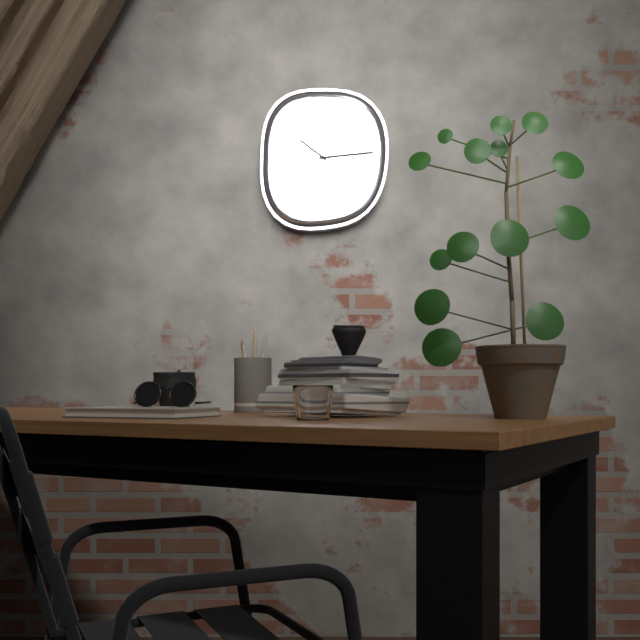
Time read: 10:14
